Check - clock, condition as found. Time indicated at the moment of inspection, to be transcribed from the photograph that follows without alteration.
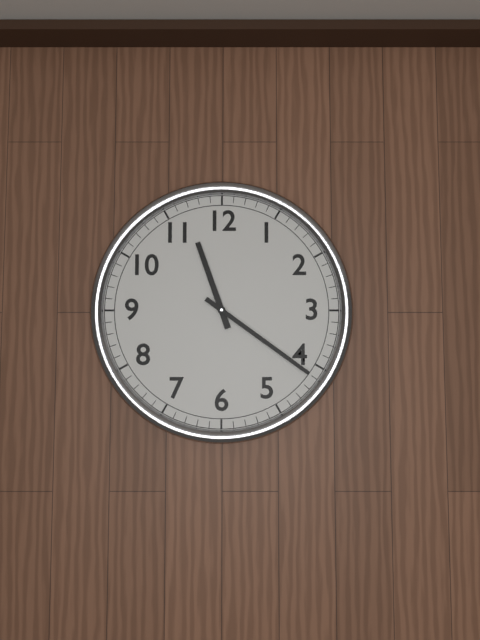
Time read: 11:21
